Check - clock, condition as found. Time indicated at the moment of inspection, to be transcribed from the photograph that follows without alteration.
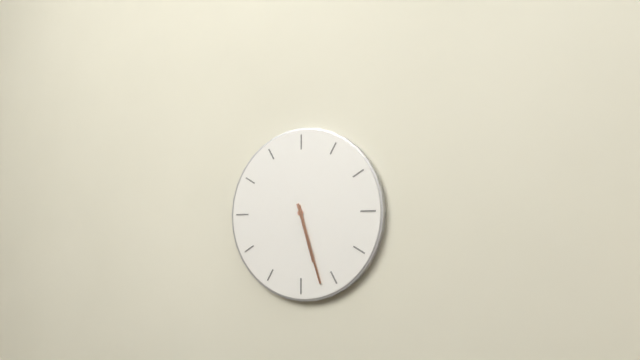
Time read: 5:27
